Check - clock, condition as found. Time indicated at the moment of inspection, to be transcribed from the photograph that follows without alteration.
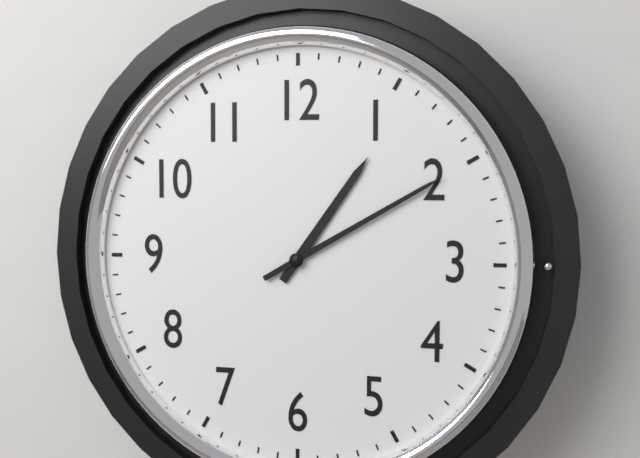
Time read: 1:10
